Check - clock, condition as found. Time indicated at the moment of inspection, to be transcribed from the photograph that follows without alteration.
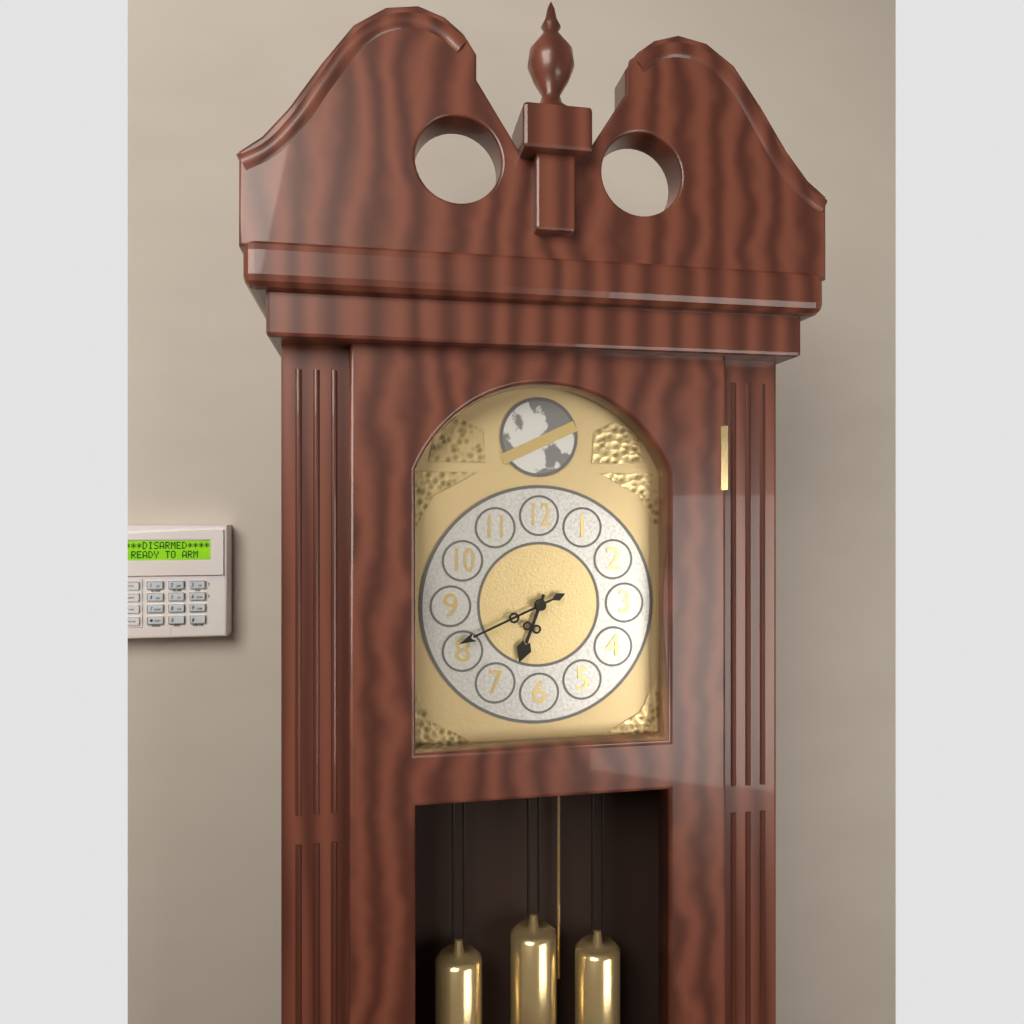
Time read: 6:41
